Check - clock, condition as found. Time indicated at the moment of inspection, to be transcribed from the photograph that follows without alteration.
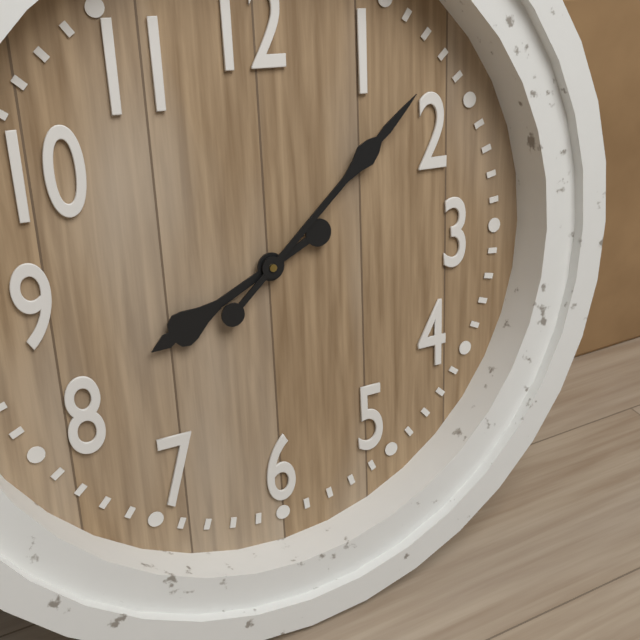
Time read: 8:08
